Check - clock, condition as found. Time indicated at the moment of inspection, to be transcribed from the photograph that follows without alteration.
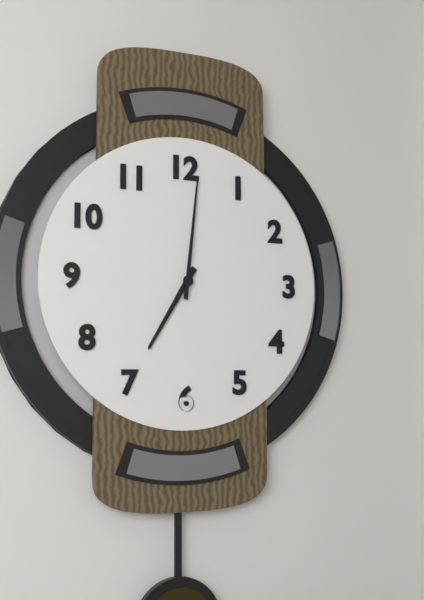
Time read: 7:01
